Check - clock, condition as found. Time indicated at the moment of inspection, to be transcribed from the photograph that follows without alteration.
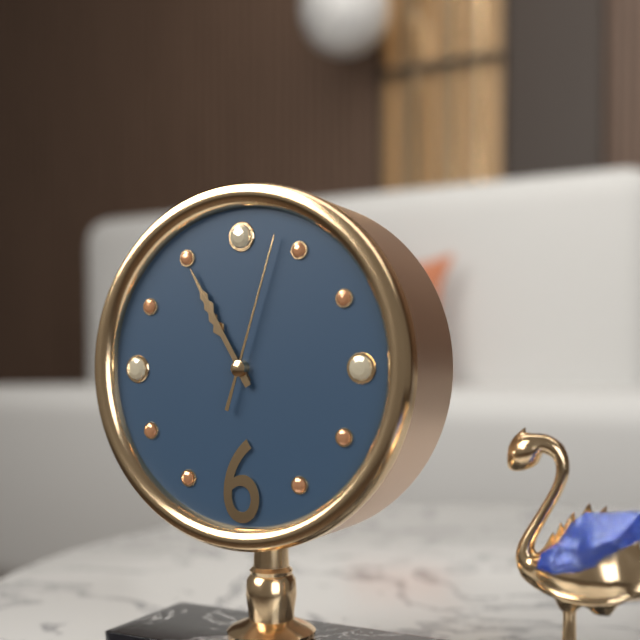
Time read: 10:55:03
